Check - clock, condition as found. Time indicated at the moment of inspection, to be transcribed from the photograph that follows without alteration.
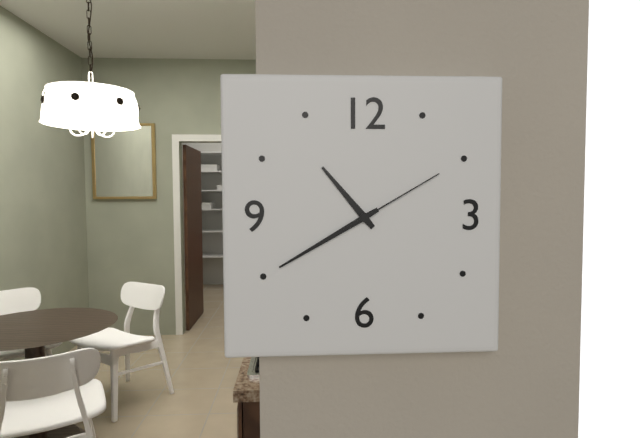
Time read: 10:40:10
